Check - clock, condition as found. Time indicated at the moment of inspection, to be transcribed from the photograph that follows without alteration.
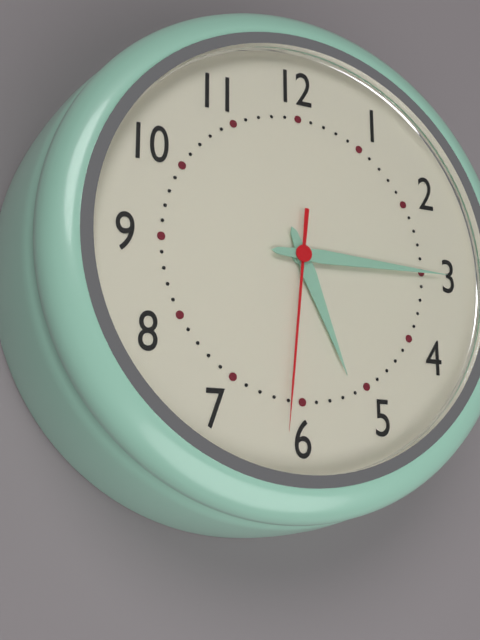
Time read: 5:15:31
